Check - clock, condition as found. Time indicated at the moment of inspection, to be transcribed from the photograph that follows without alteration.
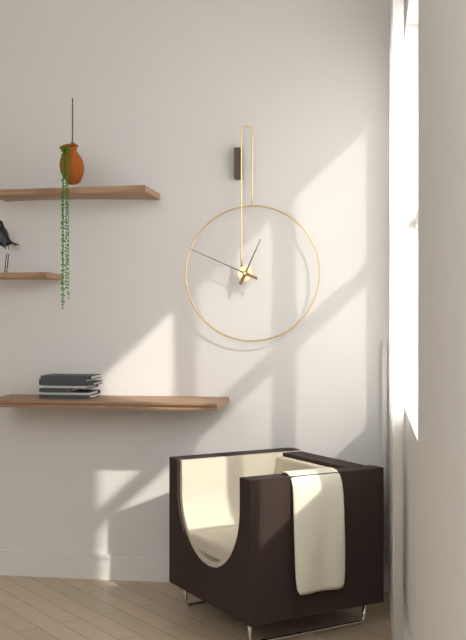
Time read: 12:49
